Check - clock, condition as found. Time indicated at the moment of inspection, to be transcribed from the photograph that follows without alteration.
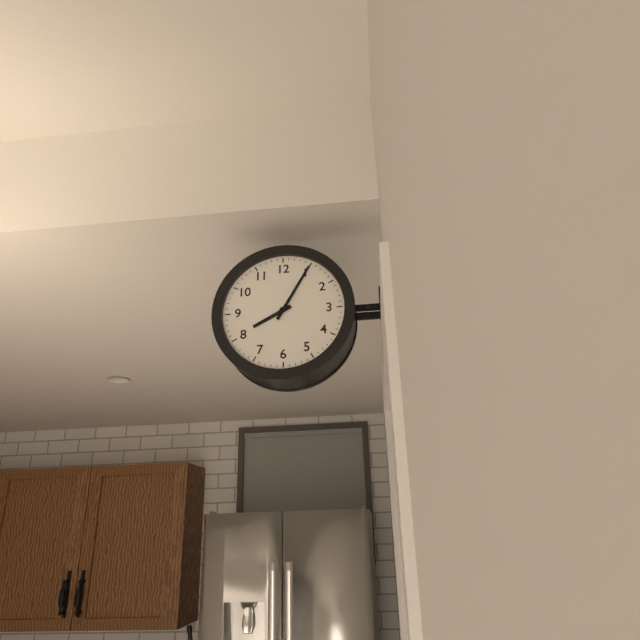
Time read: 8:05
